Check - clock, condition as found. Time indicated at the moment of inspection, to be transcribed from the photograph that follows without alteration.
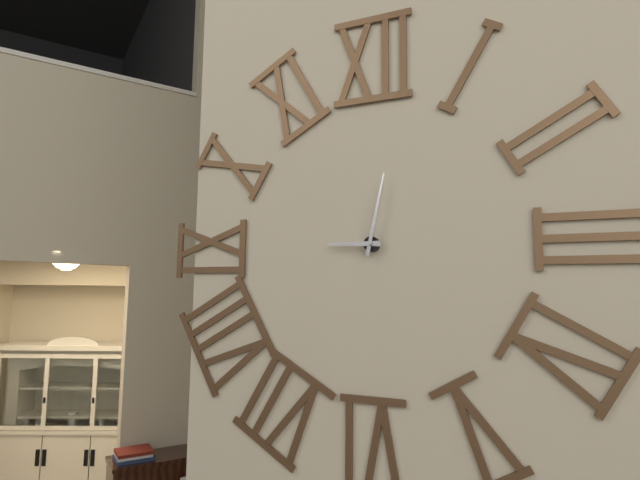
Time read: 9:02
